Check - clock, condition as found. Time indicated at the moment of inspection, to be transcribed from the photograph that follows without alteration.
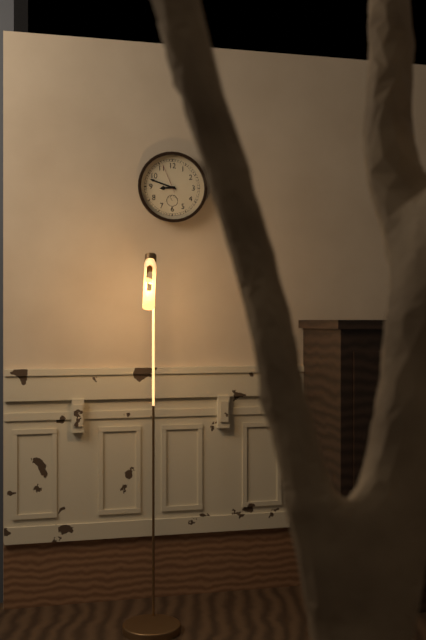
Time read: 8:48
